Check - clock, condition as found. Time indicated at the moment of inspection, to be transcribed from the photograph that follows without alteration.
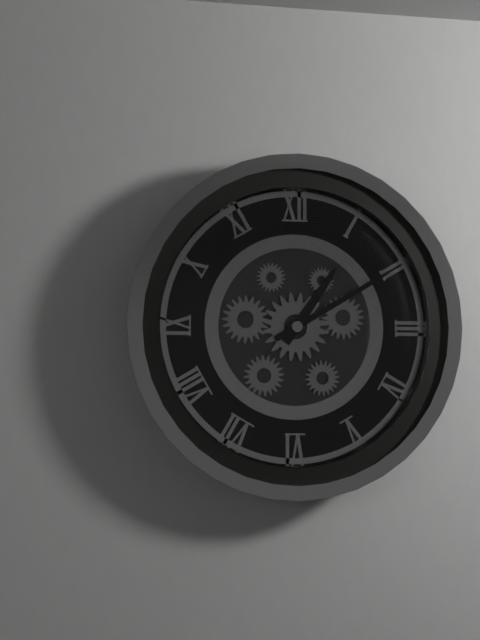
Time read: 1:10
